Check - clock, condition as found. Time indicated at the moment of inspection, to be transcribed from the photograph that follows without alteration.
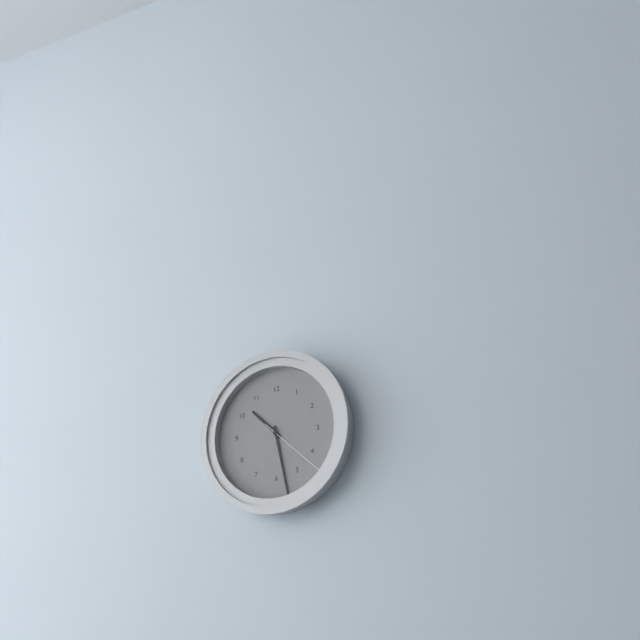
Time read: 10:28:22
